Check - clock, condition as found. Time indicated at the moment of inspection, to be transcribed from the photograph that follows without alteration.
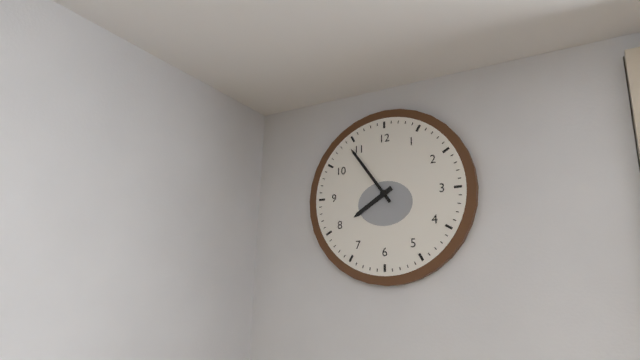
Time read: 7:54
